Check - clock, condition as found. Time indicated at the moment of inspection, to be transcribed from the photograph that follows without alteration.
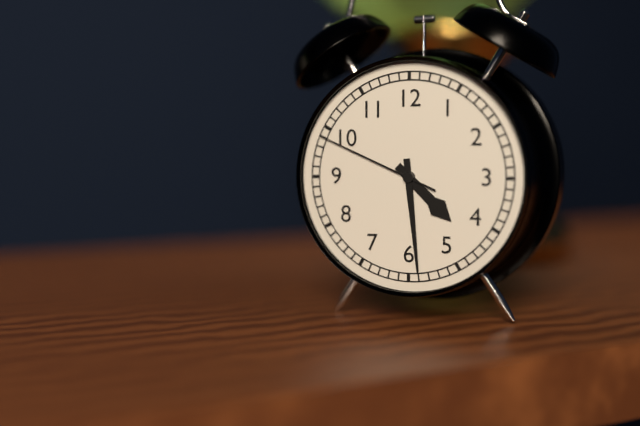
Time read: 4:29:49
